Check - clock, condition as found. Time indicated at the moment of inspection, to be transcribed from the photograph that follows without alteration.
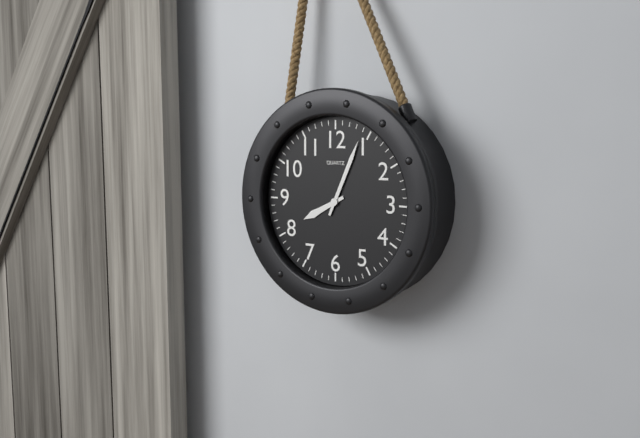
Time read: 8:04
